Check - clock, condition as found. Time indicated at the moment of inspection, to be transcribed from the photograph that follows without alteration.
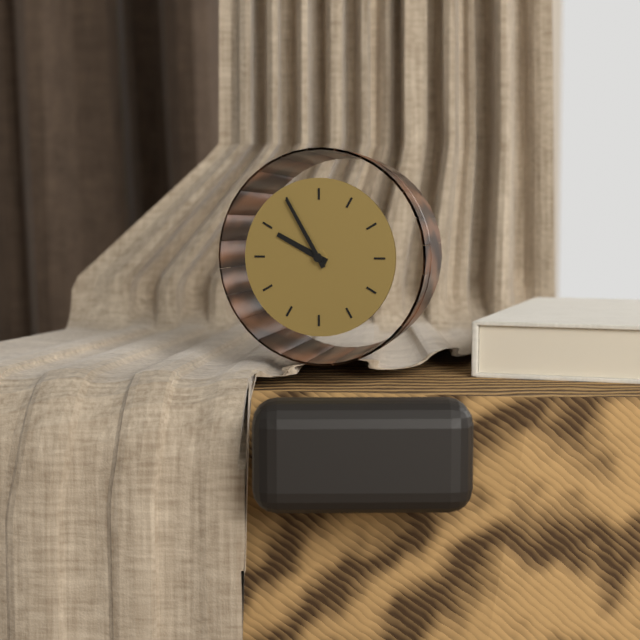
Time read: 9:55
